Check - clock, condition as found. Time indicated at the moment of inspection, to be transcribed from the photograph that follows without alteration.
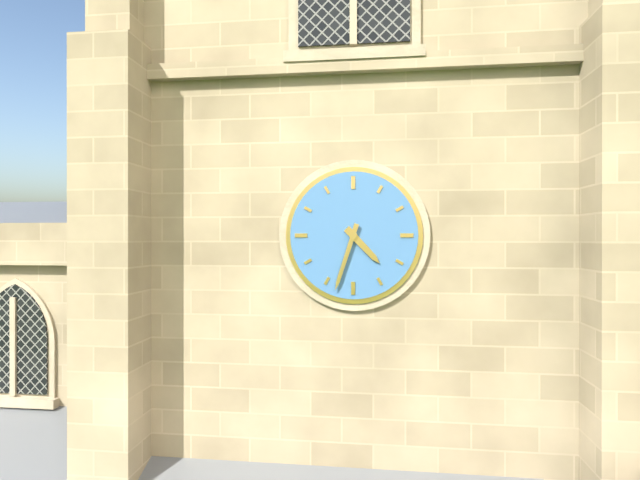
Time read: 4:33
